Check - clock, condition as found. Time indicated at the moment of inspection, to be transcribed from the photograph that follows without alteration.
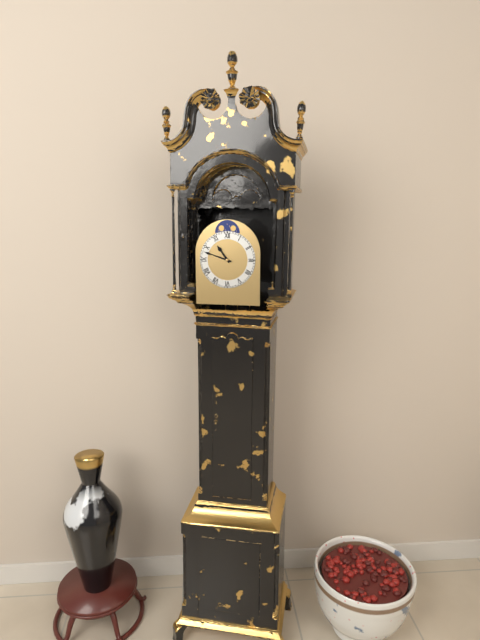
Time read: 10:48
